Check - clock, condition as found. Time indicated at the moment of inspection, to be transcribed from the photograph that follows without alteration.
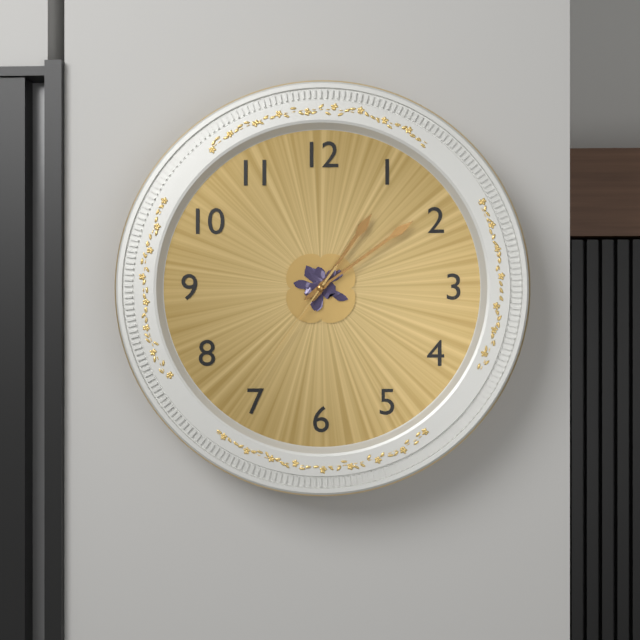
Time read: 1:09:36
